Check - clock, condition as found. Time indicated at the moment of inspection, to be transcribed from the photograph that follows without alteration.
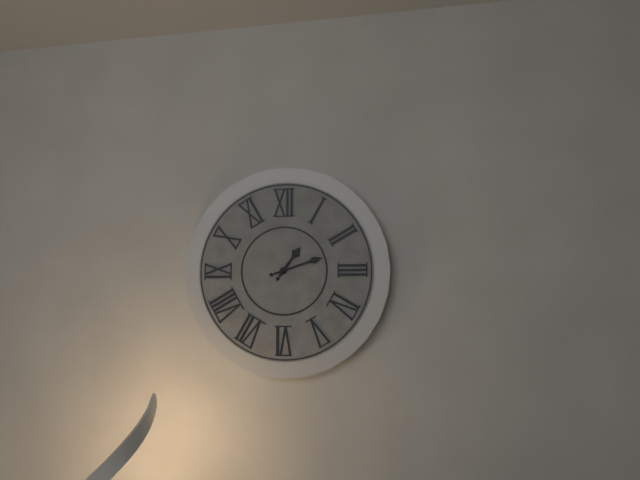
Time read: 1:12
